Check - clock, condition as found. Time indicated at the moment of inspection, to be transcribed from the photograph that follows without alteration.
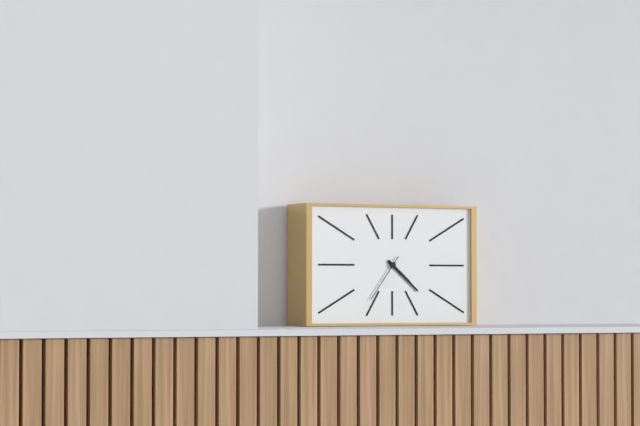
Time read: 4:22:36
